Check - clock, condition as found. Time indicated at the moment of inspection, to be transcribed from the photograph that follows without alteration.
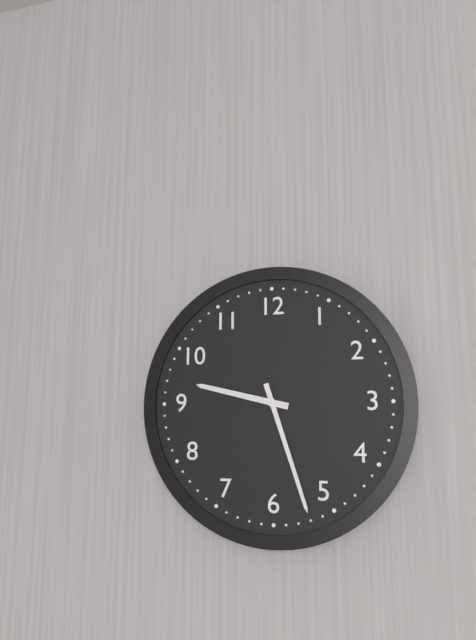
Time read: 9:27
